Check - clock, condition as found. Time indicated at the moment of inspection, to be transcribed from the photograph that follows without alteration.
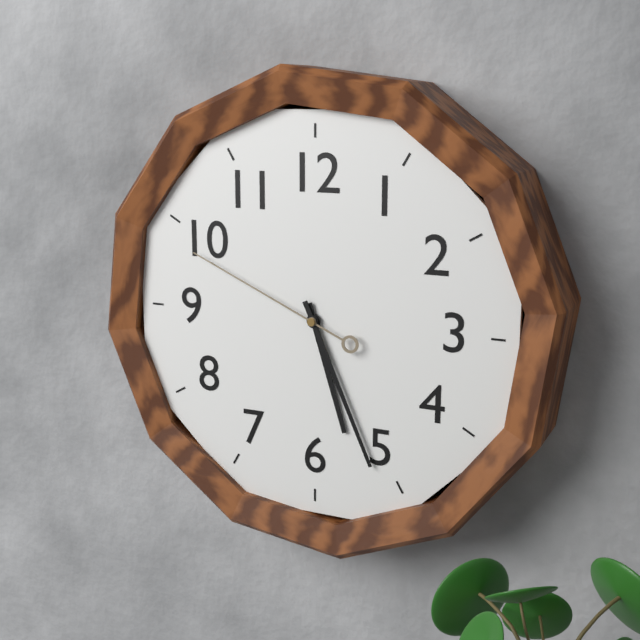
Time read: 5:26:49
